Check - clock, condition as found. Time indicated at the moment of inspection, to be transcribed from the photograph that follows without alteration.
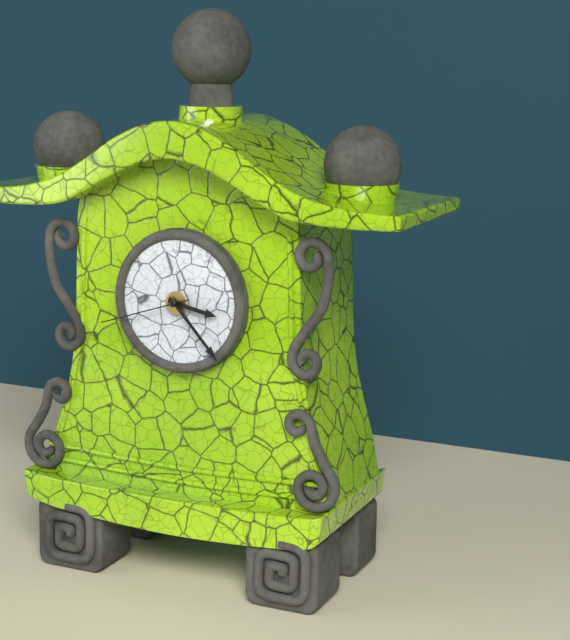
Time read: 3:23:42
